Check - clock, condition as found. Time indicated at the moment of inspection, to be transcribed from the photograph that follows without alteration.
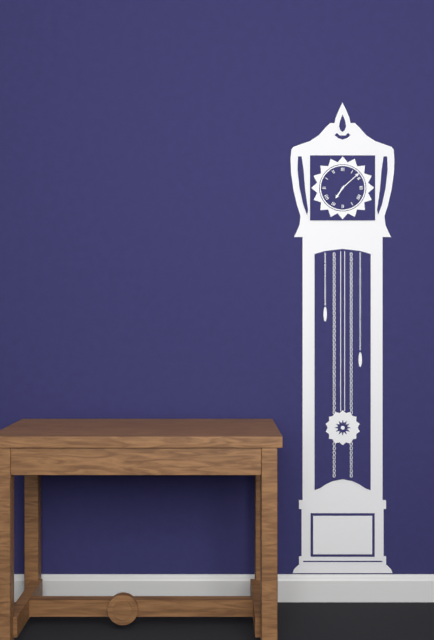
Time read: 7:08
